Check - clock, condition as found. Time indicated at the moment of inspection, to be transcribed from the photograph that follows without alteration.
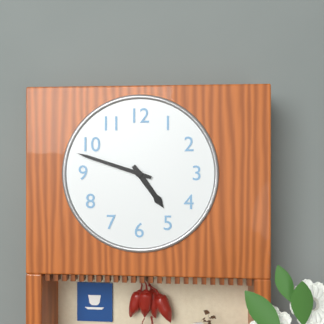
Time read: 4:48
